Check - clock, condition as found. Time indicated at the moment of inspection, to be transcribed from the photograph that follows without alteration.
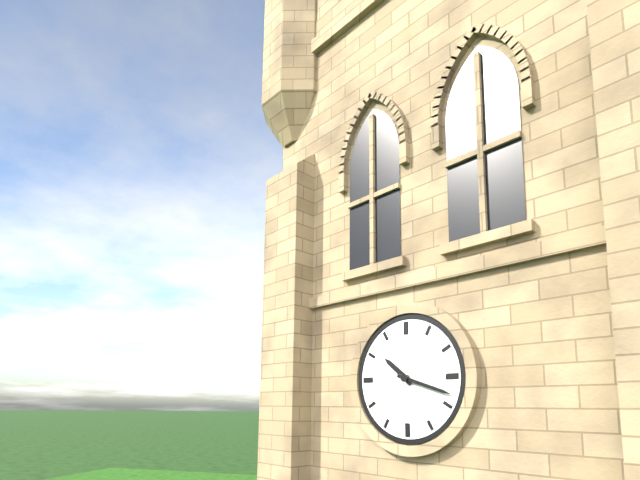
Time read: 10:18
